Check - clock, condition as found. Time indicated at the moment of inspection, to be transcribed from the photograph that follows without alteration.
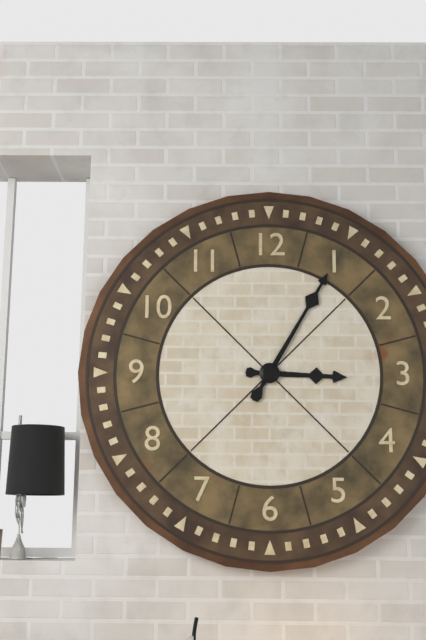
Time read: 3:05
